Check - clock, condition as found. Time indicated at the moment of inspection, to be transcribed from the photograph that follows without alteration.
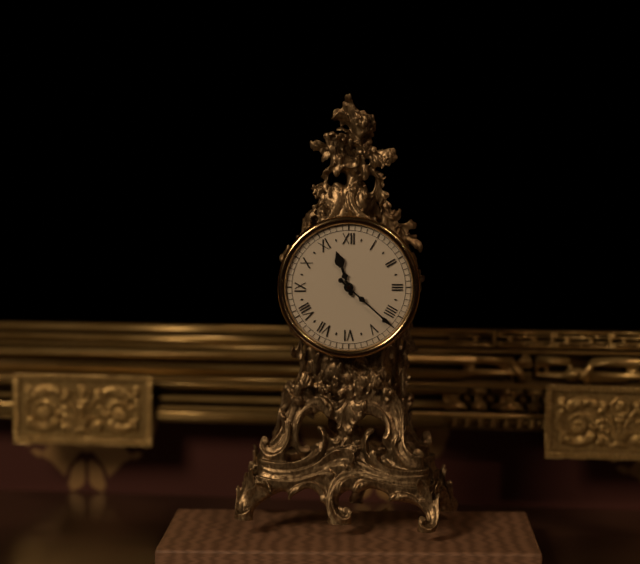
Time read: 11:22
